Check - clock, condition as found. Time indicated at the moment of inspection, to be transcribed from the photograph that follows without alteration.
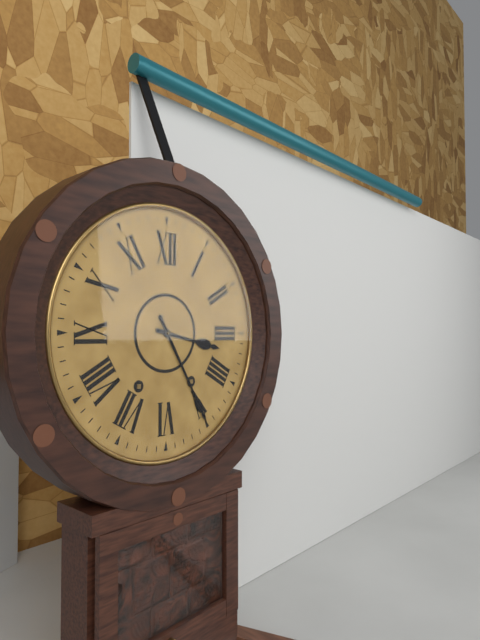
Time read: 3:25
